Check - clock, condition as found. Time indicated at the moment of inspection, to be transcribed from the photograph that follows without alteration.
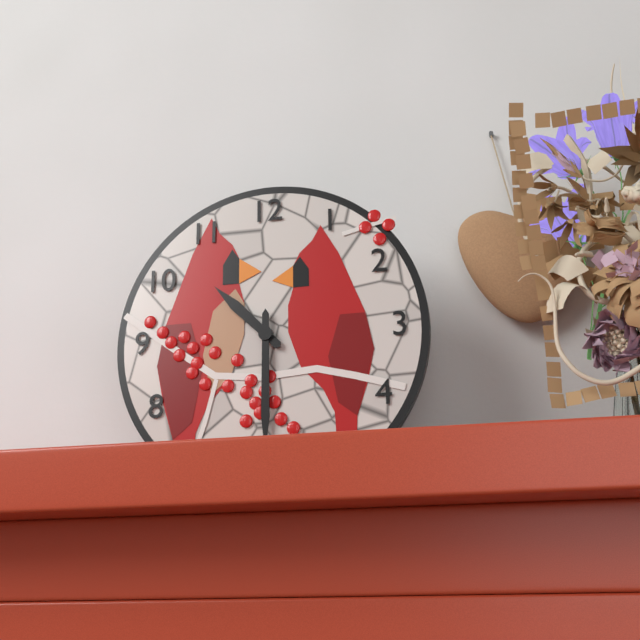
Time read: 10:30
